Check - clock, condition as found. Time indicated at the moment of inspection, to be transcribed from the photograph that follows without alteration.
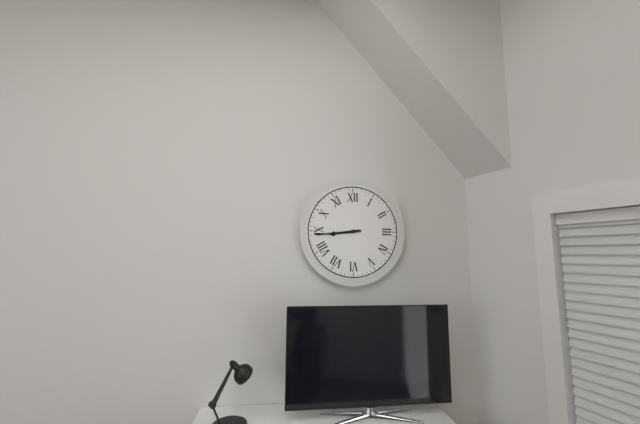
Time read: 8:44
